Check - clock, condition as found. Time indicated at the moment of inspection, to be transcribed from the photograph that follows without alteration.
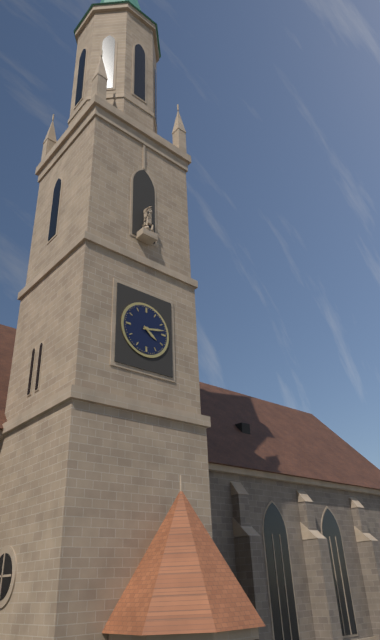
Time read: 4:13
